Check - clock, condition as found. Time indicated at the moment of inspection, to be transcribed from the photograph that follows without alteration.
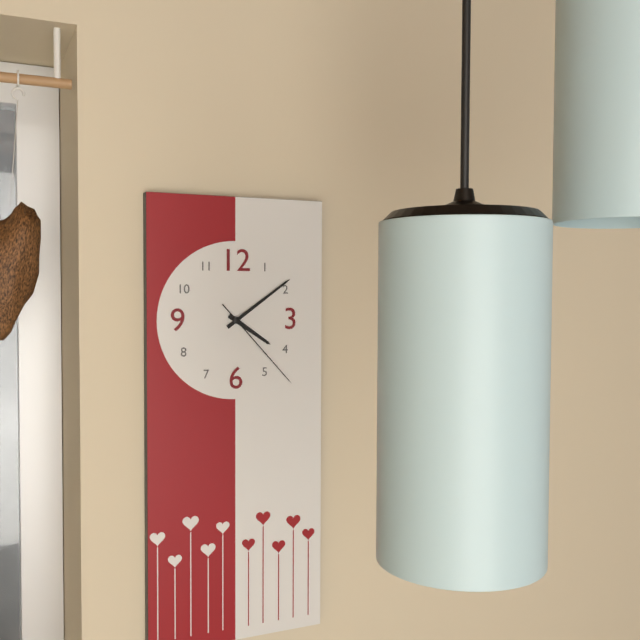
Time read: 4:09:23
